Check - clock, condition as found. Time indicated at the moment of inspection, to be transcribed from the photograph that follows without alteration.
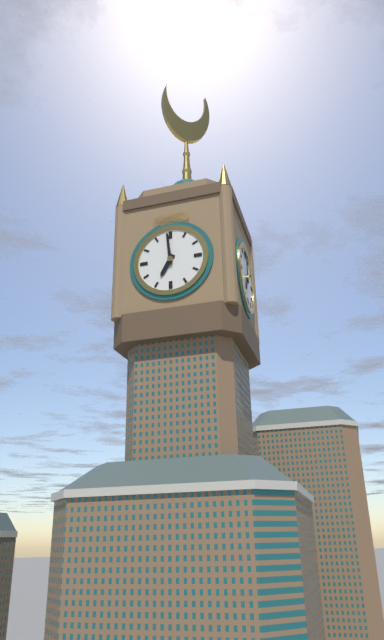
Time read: 6:59
